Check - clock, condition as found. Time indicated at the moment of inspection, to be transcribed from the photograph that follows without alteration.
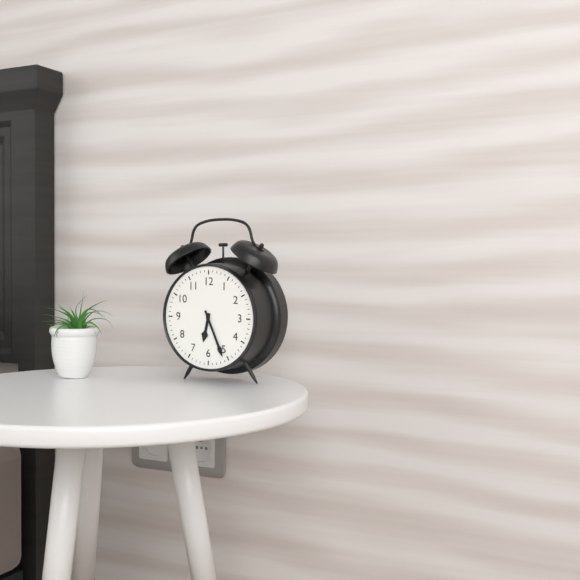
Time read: 6:26
